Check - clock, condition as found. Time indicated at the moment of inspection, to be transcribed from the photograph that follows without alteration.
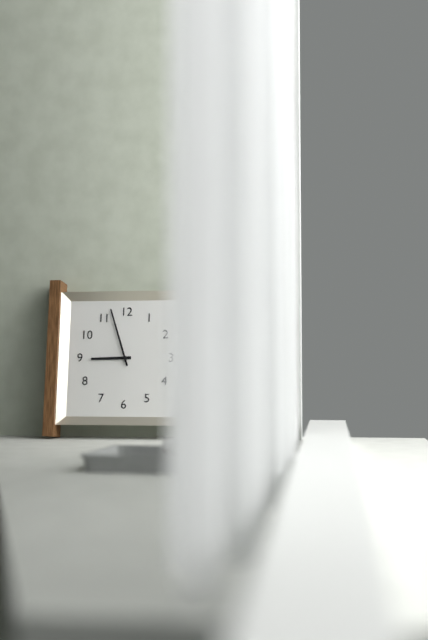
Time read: 8:57
